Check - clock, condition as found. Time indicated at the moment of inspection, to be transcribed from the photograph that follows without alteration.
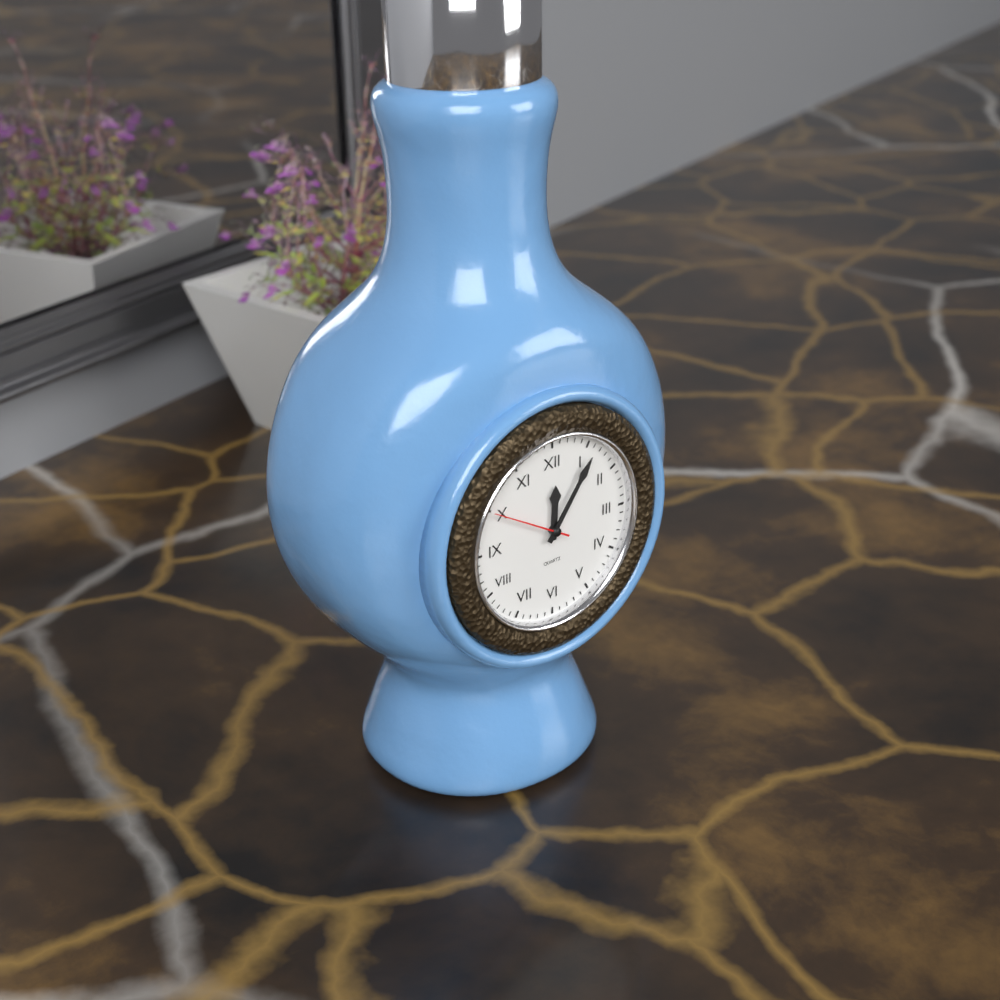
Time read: 12:06:50
